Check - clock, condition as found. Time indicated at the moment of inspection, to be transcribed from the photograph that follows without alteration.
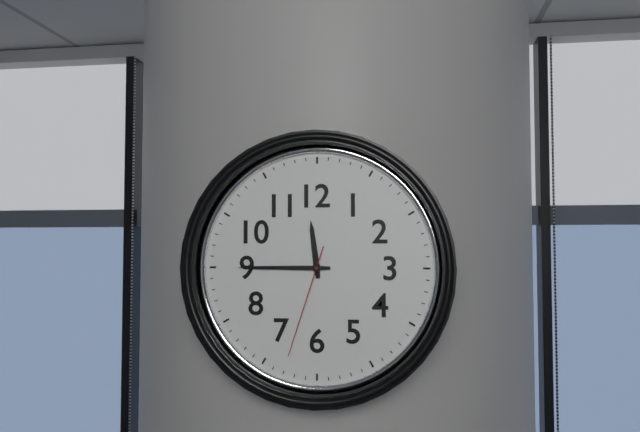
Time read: 11:45:33
